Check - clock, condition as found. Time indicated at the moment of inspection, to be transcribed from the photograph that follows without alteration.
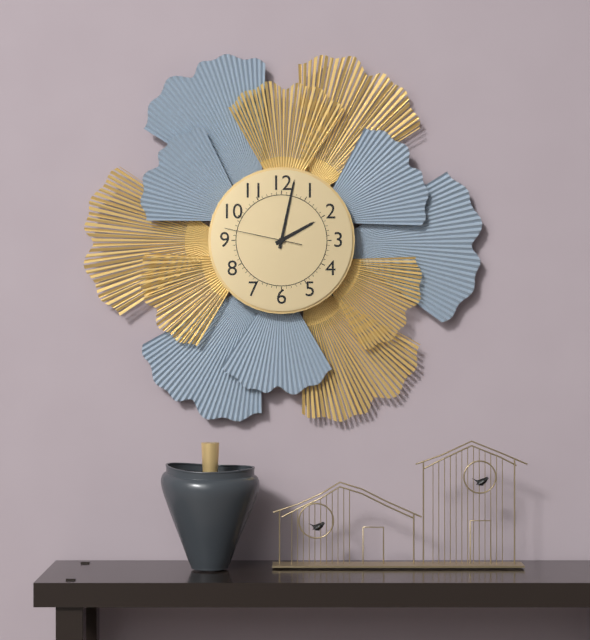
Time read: 2:02:47
